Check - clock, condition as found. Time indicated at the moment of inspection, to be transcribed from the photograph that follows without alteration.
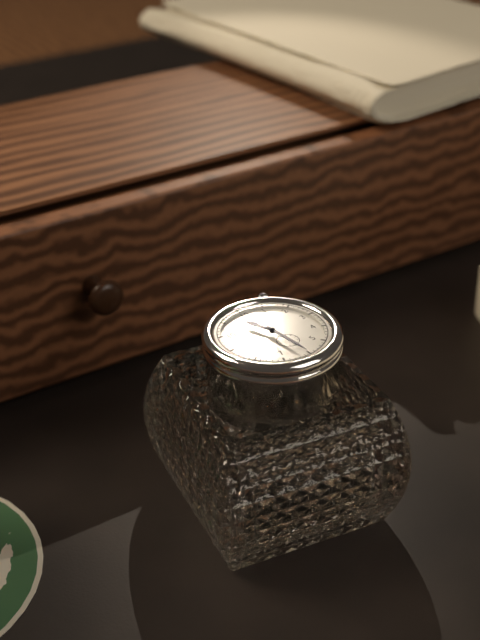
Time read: 11:30
